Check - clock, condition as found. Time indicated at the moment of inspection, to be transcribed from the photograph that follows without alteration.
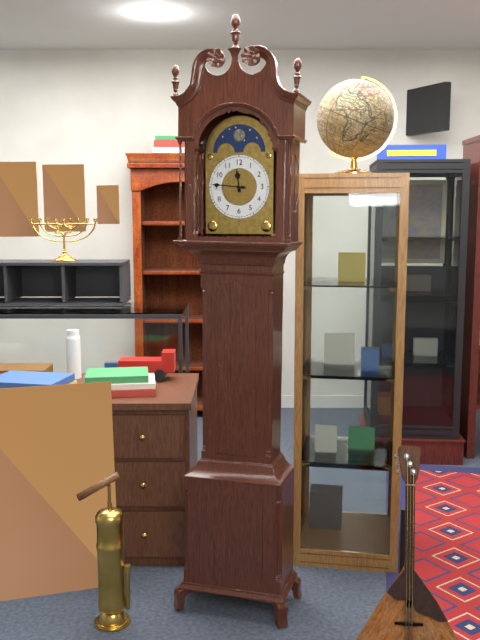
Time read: 11:46
